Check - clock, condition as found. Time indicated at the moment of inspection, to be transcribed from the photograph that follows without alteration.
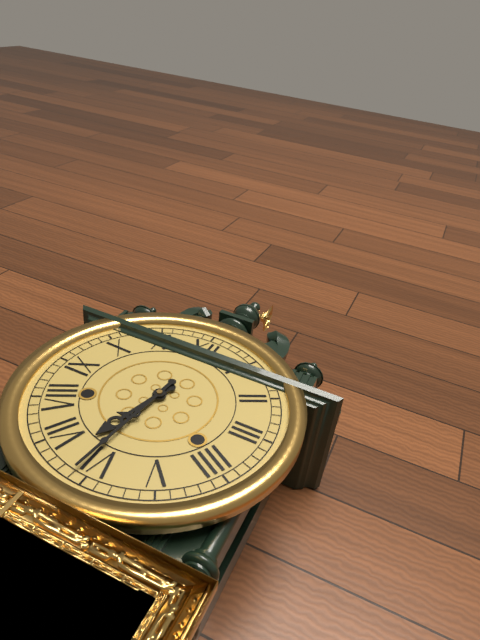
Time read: 6:31
